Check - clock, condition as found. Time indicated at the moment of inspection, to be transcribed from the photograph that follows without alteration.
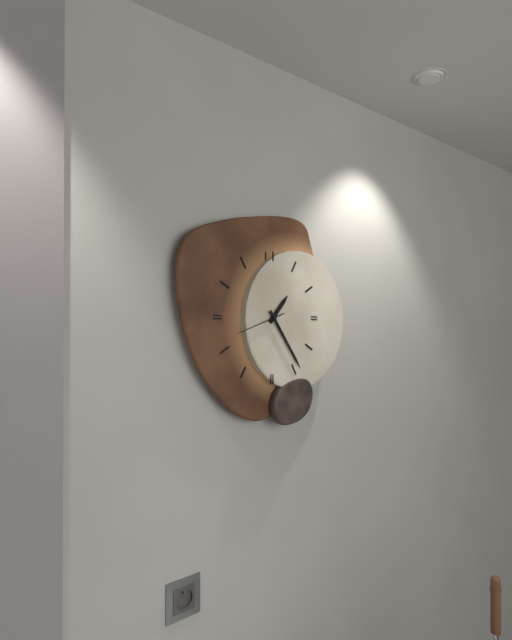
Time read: 1:24:42
